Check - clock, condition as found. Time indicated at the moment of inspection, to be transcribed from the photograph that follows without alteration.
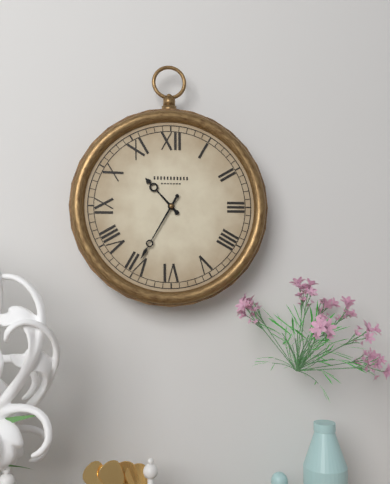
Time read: 10:35
